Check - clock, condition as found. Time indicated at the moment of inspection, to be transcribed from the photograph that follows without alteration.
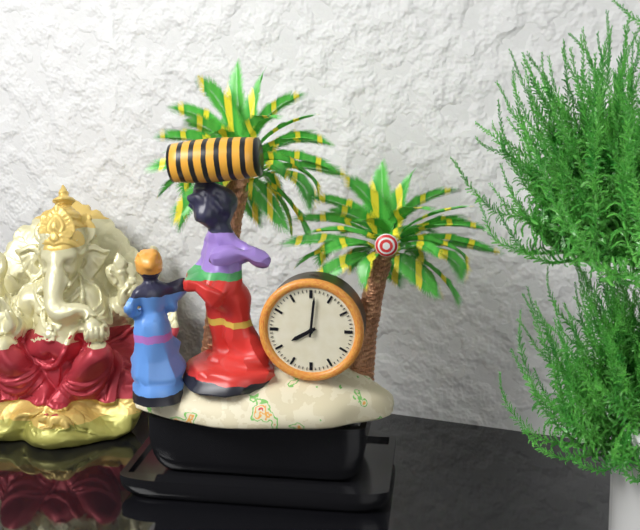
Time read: 8:01
